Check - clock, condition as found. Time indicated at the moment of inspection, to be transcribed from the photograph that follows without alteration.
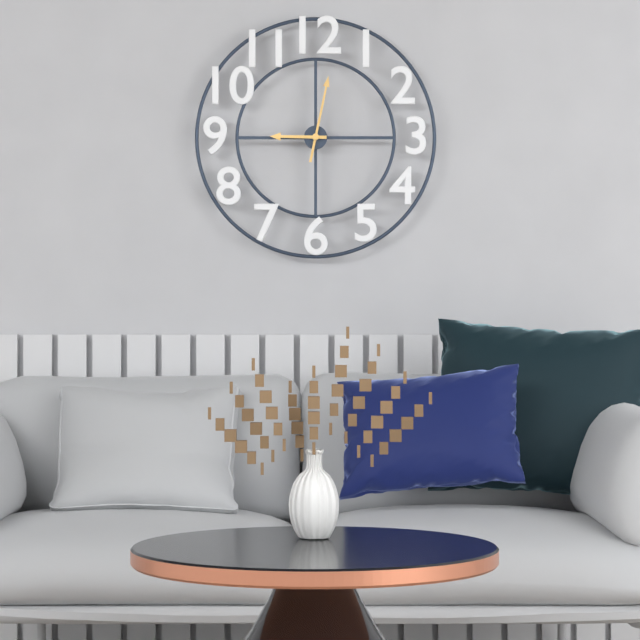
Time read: 9:02
